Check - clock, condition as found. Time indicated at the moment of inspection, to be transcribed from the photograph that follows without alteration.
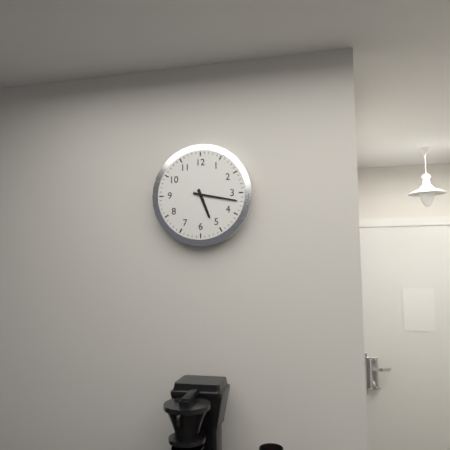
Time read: 5:17
